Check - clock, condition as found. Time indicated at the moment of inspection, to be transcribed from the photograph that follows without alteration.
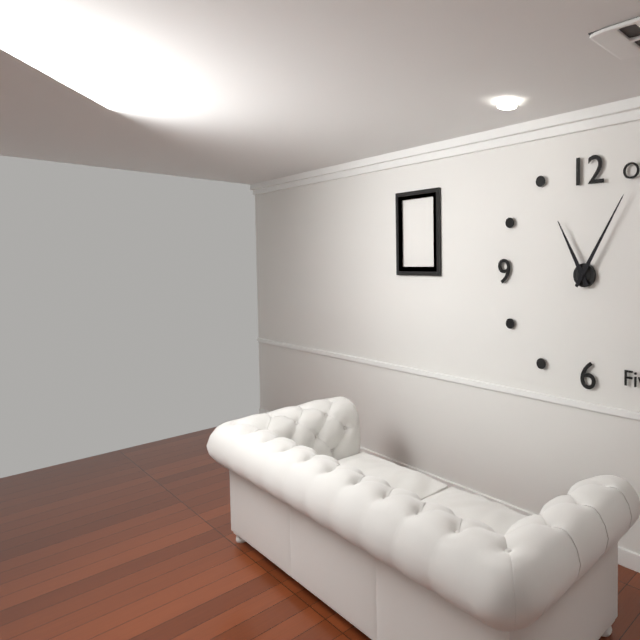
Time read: 11:05
